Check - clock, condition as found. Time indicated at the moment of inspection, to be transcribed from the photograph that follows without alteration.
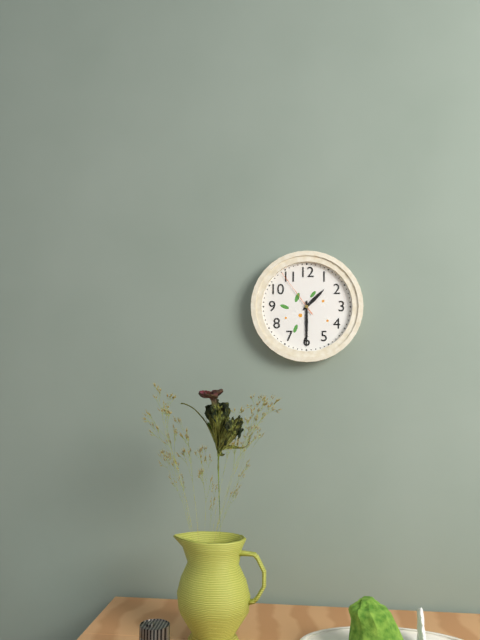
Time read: 1:30:54
